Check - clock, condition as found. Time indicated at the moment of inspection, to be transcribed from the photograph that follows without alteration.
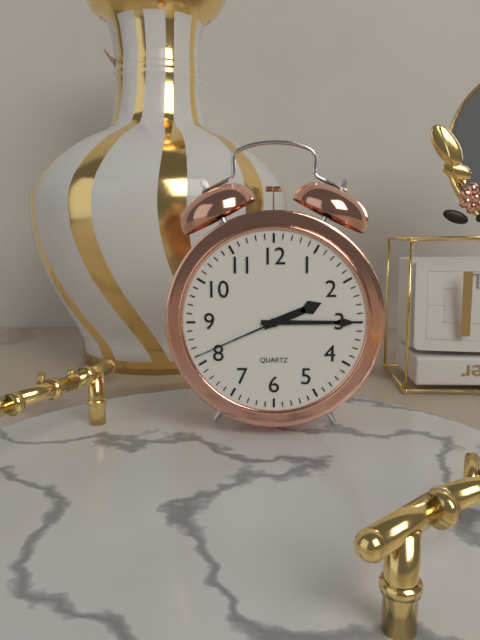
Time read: 2:15:41
